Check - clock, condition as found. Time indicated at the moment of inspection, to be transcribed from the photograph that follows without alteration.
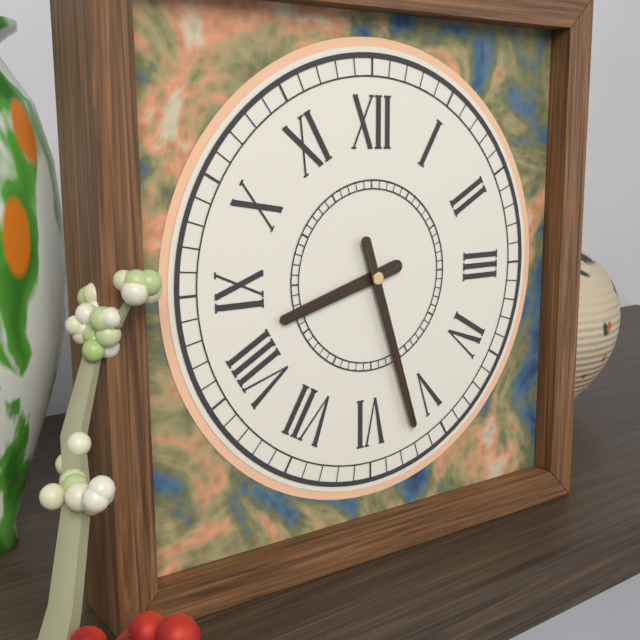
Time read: 8:27
